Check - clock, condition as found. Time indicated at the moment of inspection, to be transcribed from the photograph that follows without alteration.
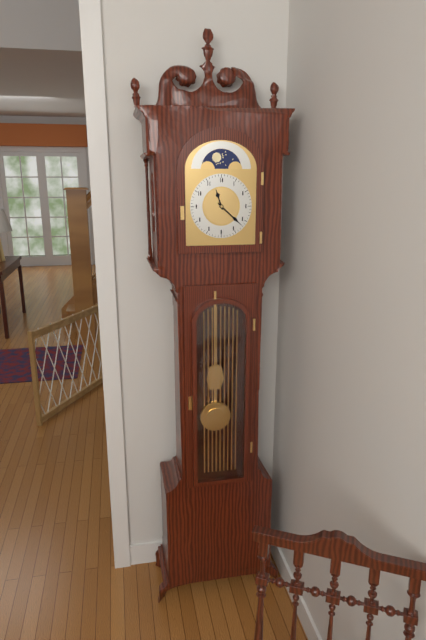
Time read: 11:22
